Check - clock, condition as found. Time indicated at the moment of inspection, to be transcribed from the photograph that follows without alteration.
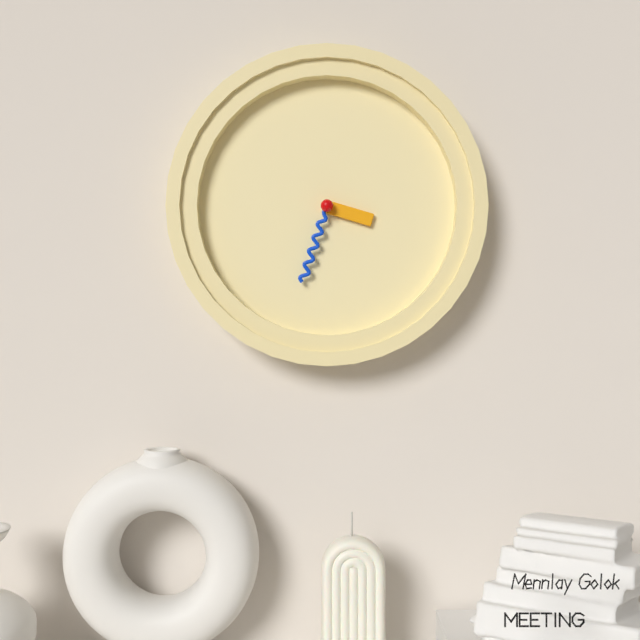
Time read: 3:33
